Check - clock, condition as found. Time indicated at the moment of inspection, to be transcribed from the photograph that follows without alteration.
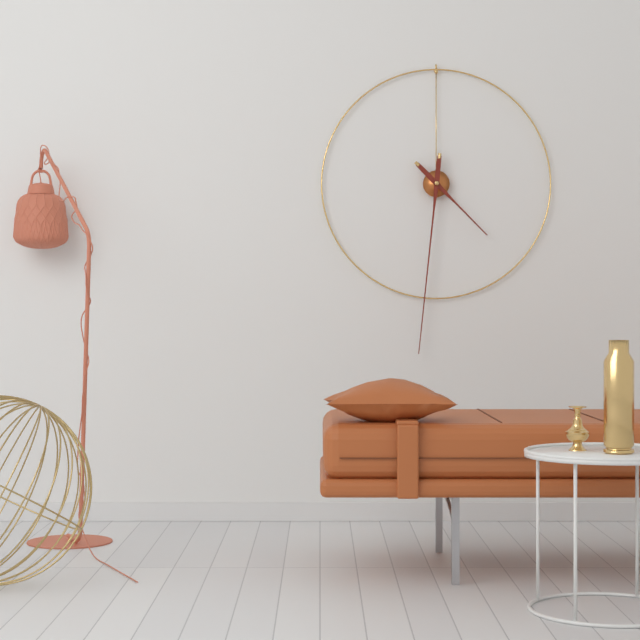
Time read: 4:31
